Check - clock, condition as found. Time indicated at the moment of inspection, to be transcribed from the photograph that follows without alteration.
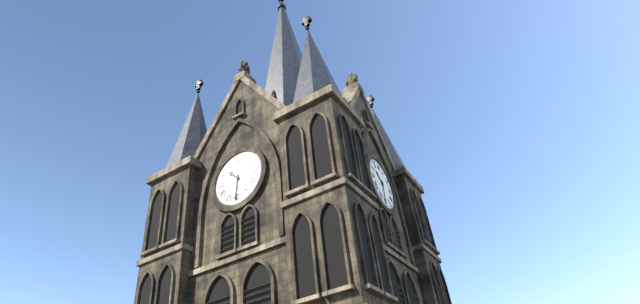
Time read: 10:31
